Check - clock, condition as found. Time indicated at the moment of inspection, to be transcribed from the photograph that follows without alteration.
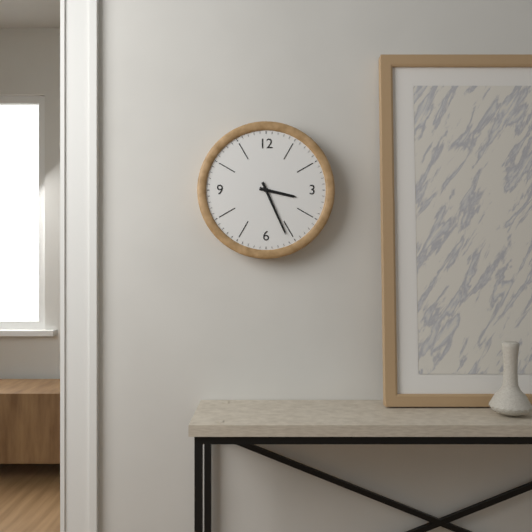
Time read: 3:26
